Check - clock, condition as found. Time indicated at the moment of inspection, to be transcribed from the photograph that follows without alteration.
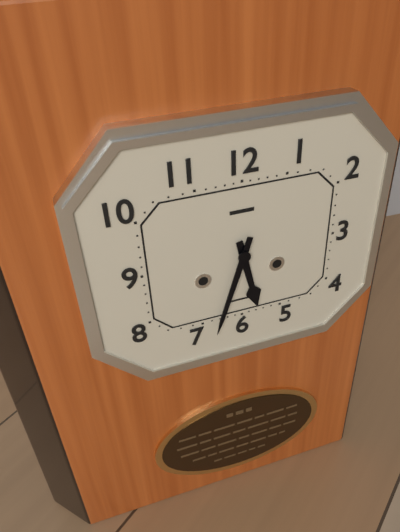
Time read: 5:33
